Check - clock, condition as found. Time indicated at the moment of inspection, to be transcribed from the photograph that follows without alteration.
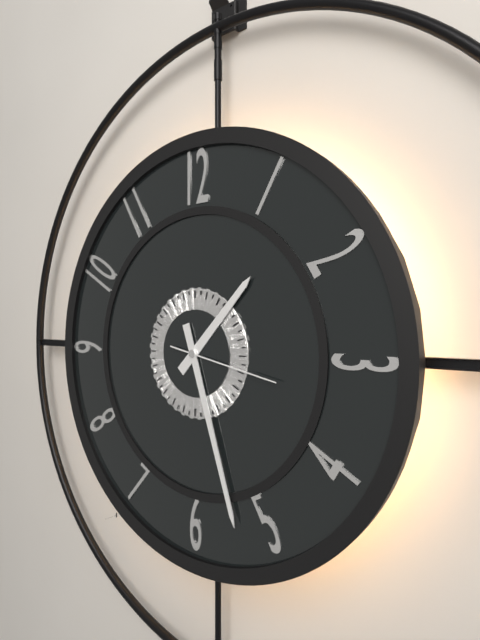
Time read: 1:27:17
